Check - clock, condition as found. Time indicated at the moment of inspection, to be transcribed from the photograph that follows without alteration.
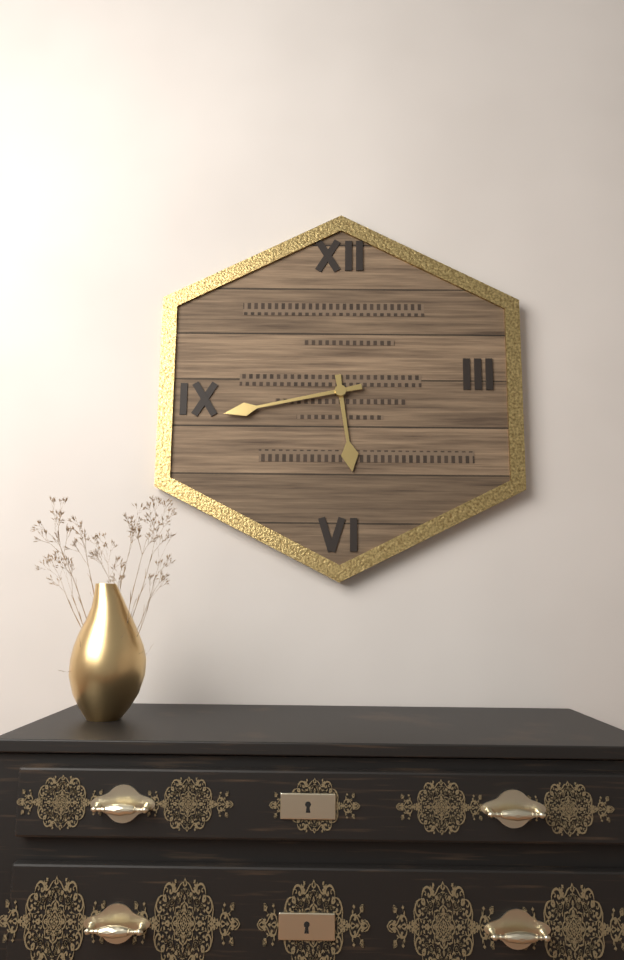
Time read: 5:43
